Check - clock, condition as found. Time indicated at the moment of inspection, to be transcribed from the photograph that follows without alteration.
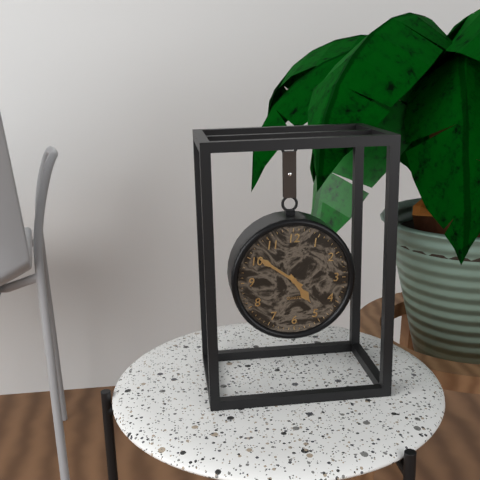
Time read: 4:51
